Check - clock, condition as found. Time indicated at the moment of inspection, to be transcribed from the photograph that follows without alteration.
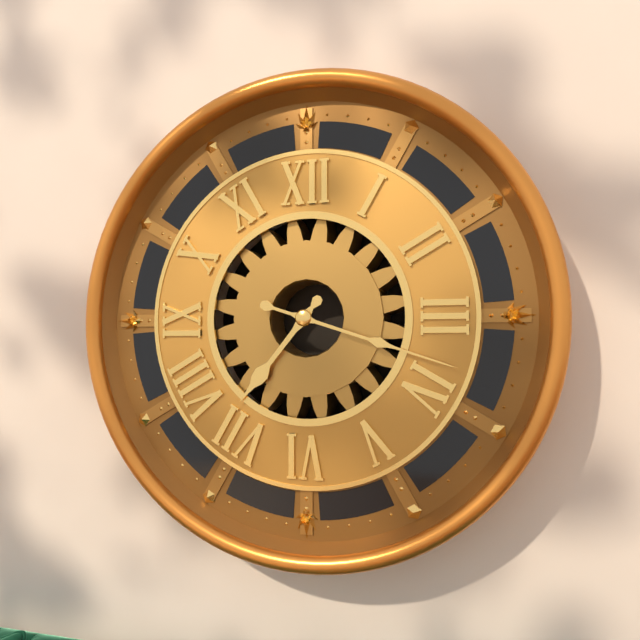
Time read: 7:18
